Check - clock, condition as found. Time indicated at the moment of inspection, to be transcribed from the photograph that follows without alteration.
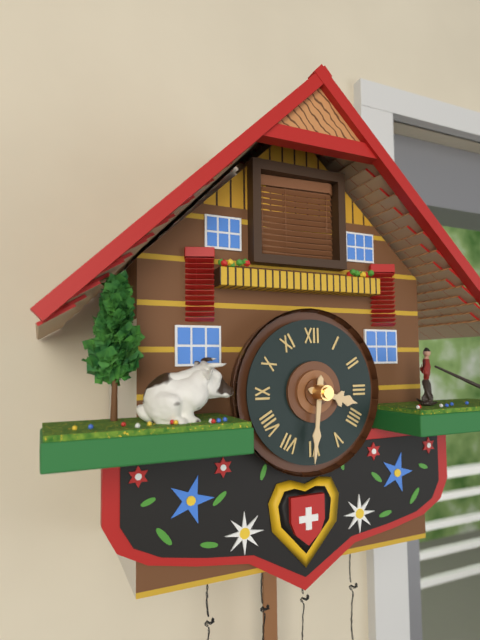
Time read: 3:31
